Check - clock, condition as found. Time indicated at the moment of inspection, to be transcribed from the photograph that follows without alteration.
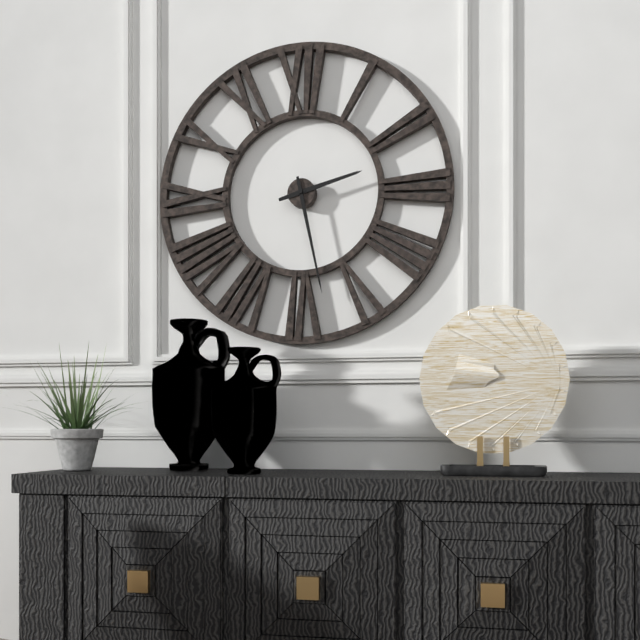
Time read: 2:28
